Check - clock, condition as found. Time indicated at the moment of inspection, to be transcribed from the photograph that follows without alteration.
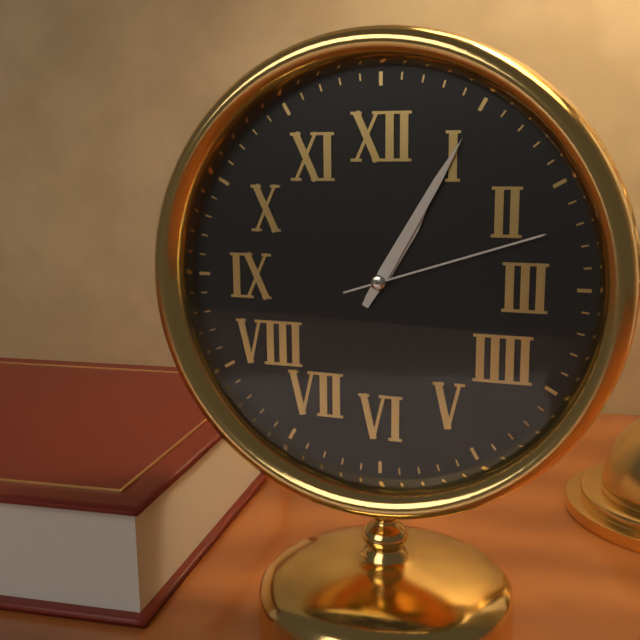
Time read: 1:05:12
